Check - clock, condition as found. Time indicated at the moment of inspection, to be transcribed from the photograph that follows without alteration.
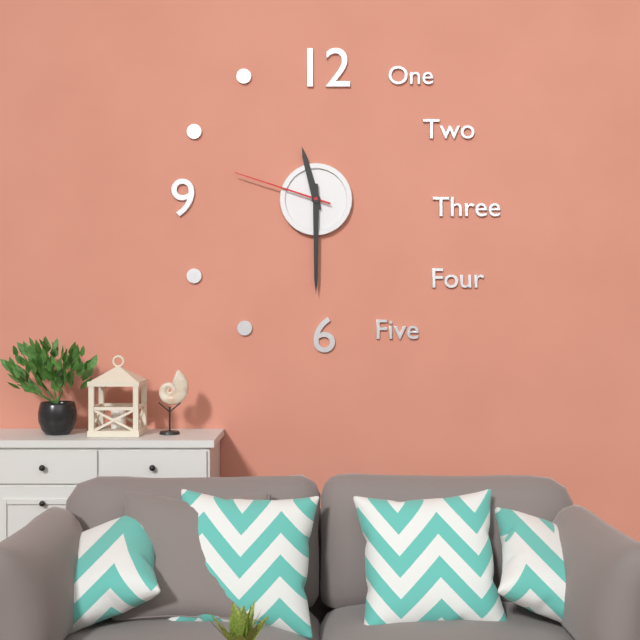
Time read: 11:30:48
